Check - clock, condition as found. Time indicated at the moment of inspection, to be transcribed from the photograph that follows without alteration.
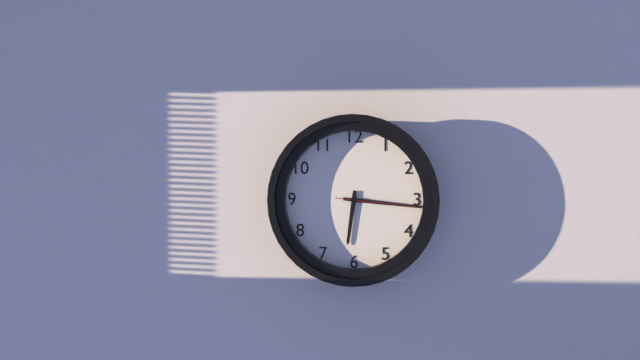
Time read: 6:16:16
